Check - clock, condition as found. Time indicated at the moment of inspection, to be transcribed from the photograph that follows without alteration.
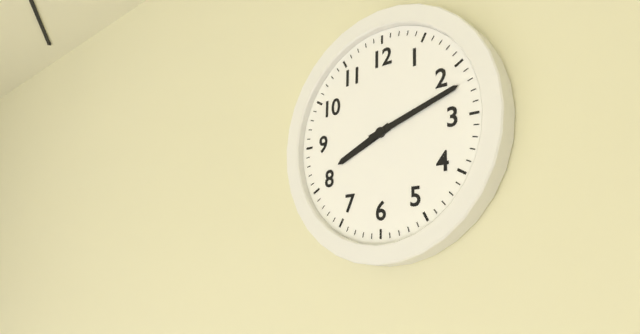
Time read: 8:12
